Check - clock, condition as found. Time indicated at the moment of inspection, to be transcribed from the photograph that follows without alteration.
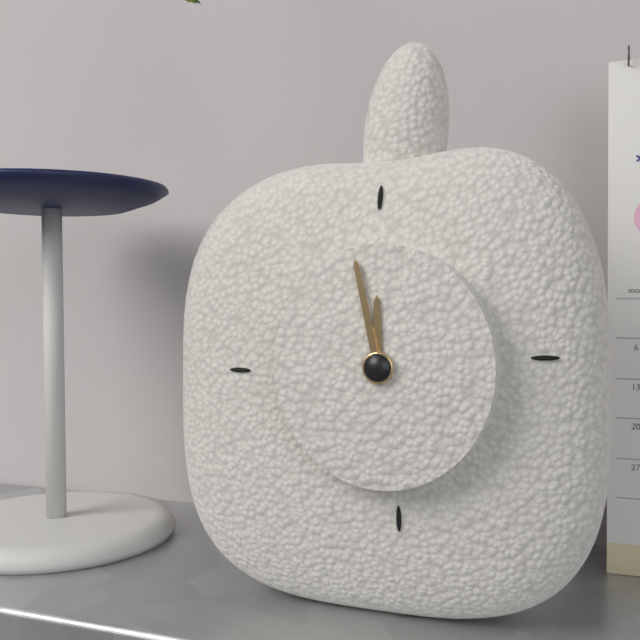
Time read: 11:58
